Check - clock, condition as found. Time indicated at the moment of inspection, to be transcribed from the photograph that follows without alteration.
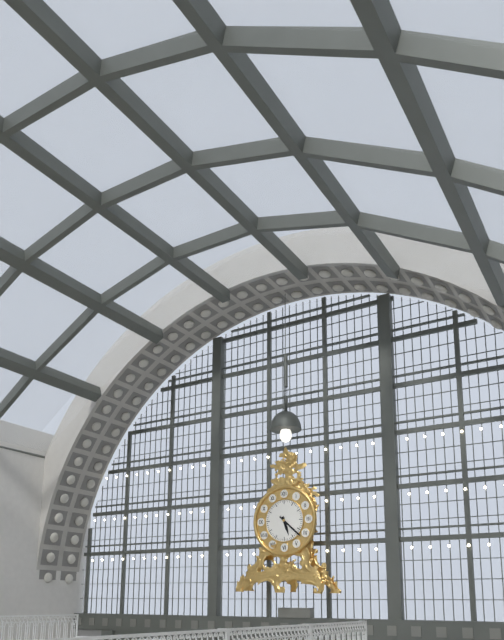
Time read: 5:22
